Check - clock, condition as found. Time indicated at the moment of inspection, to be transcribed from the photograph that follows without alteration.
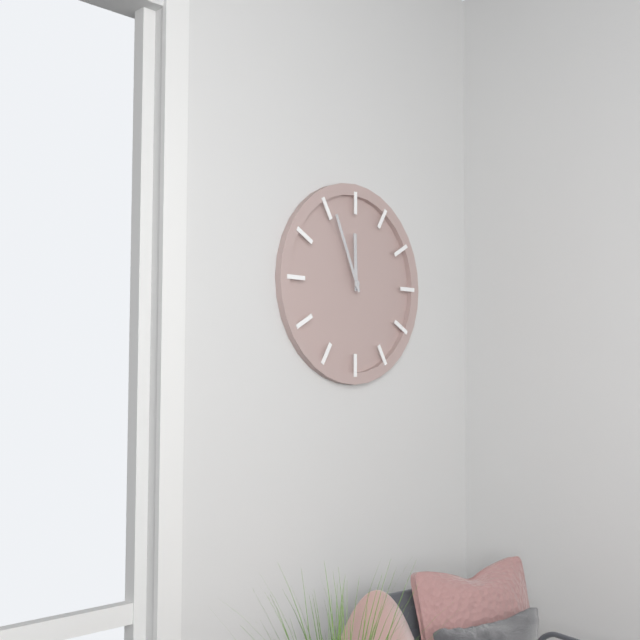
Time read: 11:56
